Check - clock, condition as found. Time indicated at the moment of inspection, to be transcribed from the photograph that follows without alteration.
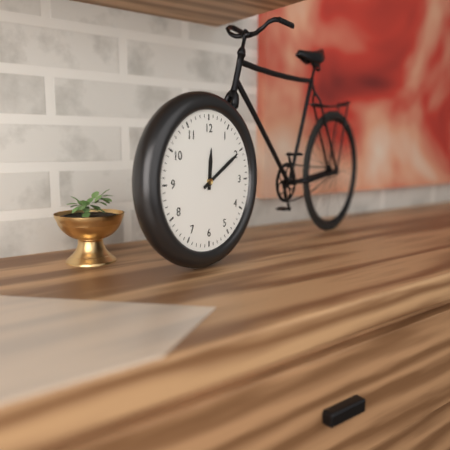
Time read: 12:10
